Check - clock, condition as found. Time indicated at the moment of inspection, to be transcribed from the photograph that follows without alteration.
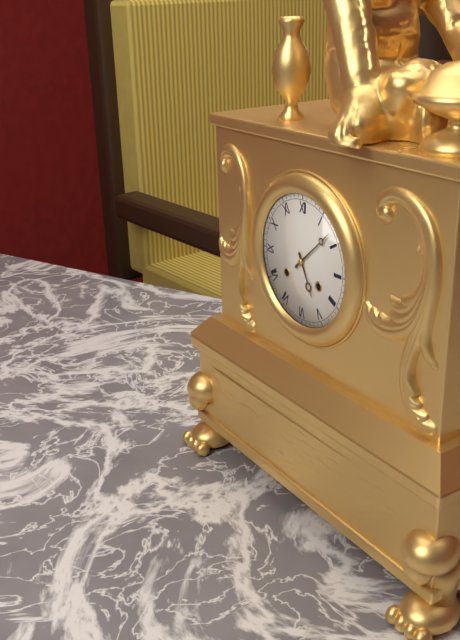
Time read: 5:08
